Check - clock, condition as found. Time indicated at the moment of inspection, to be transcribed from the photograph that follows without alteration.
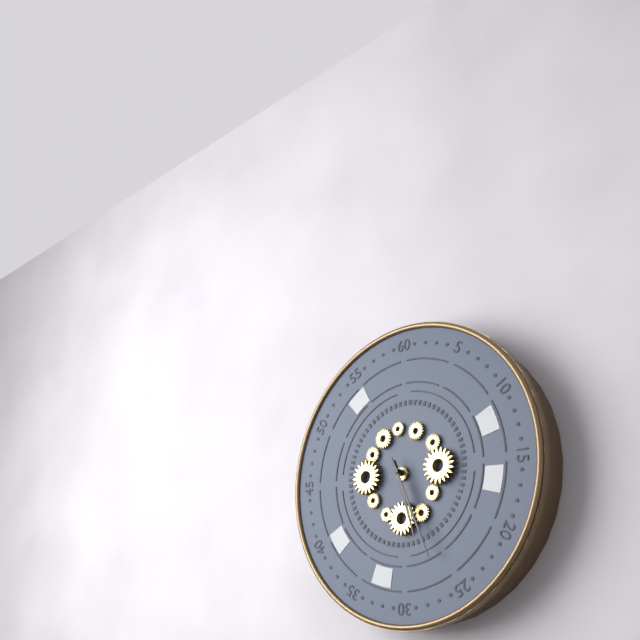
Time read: 5:26
